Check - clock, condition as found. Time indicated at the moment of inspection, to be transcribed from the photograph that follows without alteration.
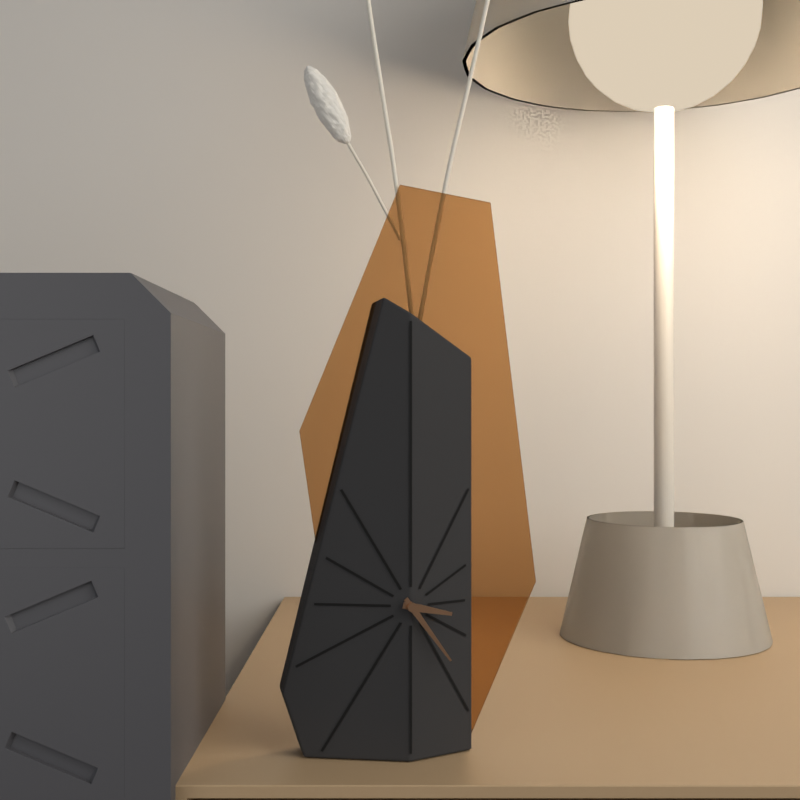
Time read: 3:24
